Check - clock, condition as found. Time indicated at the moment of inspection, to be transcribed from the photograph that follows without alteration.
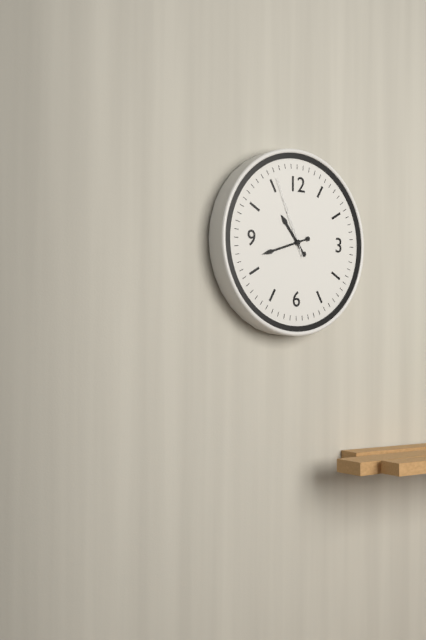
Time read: 10:42:56
